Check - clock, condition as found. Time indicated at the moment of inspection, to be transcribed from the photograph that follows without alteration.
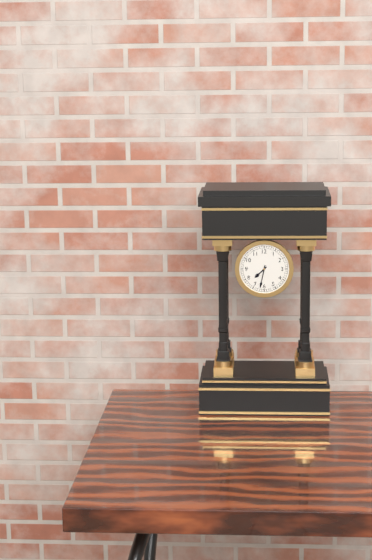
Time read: 7:32
